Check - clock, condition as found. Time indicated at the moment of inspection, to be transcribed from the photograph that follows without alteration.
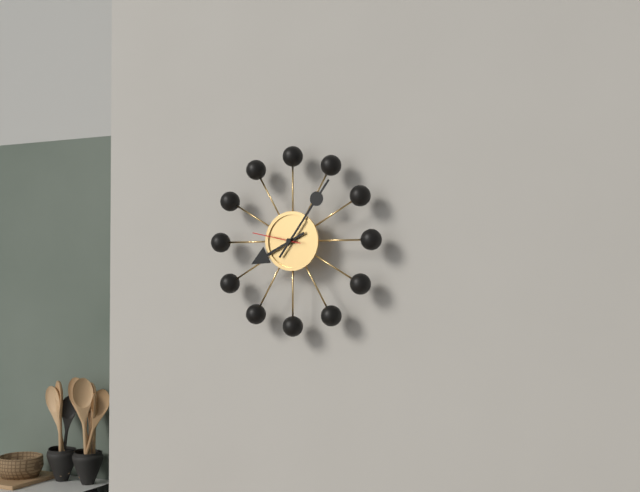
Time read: 8:06
